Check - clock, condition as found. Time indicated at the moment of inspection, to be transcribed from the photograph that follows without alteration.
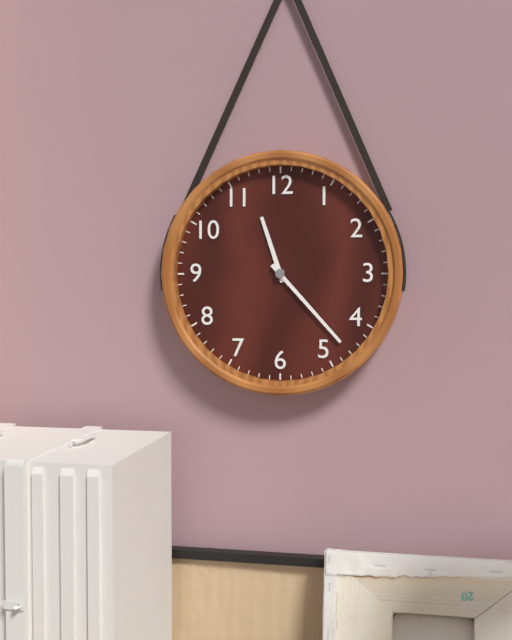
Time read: 11:23
